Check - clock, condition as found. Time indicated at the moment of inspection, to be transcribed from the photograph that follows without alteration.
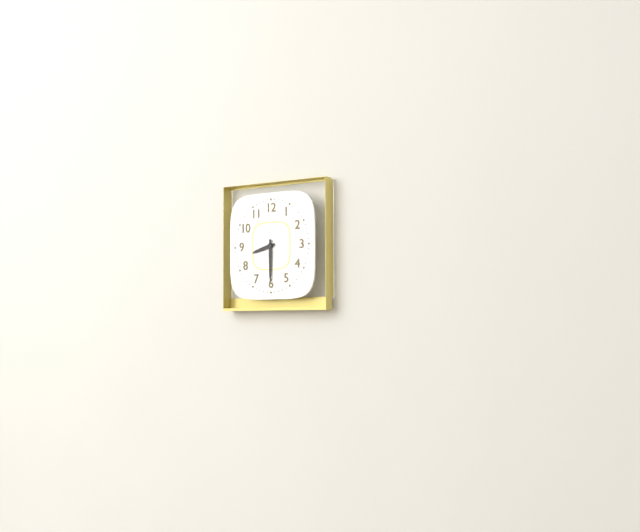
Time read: 8:30
